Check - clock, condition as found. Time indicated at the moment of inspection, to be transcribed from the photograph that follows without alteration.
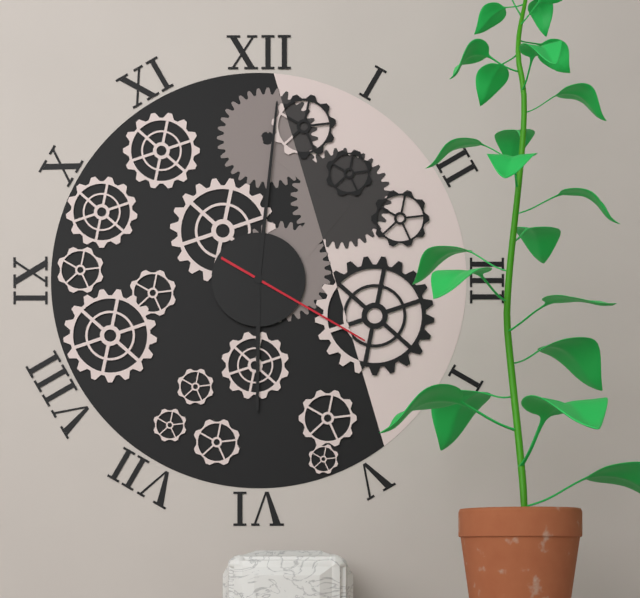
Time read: 6:01:20
